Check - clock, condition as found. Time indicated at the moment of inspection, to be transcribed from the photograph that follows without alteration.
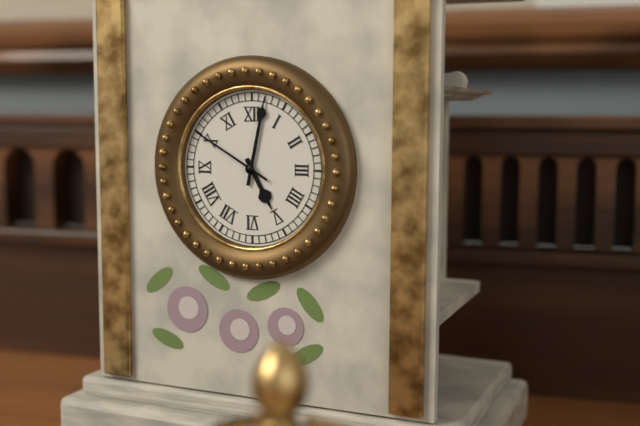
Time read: 5:02:50
